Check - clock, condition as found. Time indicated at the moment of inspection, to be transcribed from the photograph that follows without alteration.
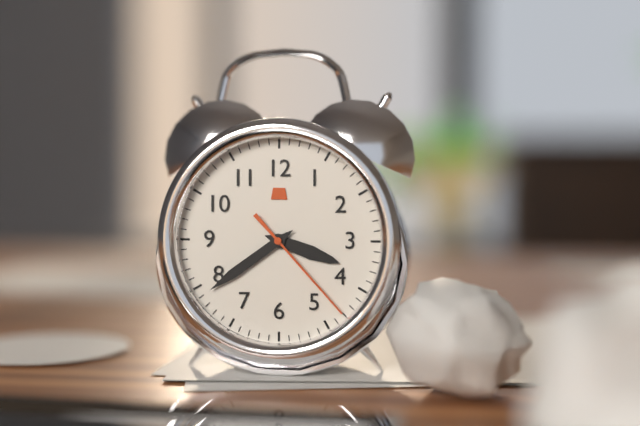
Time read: 3:39:23
